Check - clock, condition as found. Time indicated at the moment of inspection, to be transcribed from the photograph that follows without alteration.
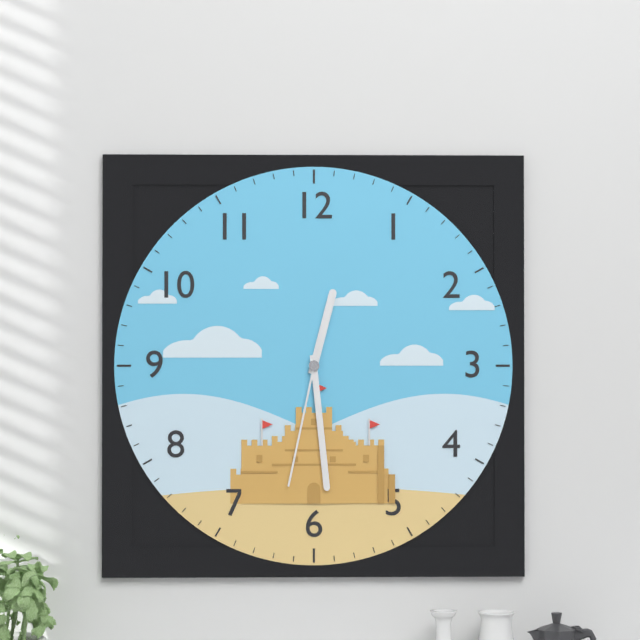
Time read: 12:29:32
